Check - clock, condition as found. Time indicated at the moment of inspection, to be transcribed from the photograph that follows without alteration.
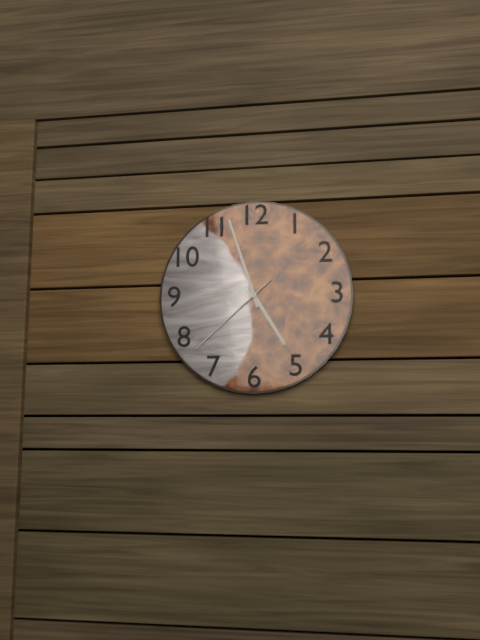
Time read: 4:57:38
